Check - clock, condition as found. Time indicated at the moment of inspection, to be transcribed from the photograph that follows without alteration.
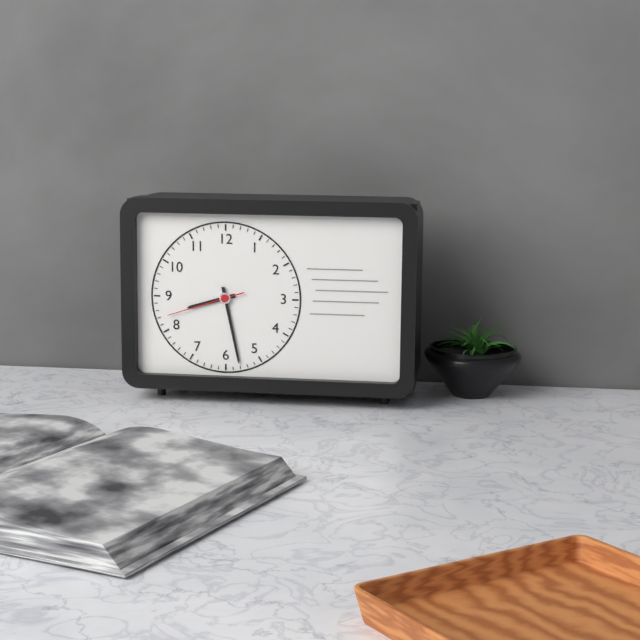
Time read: 8:28:42
